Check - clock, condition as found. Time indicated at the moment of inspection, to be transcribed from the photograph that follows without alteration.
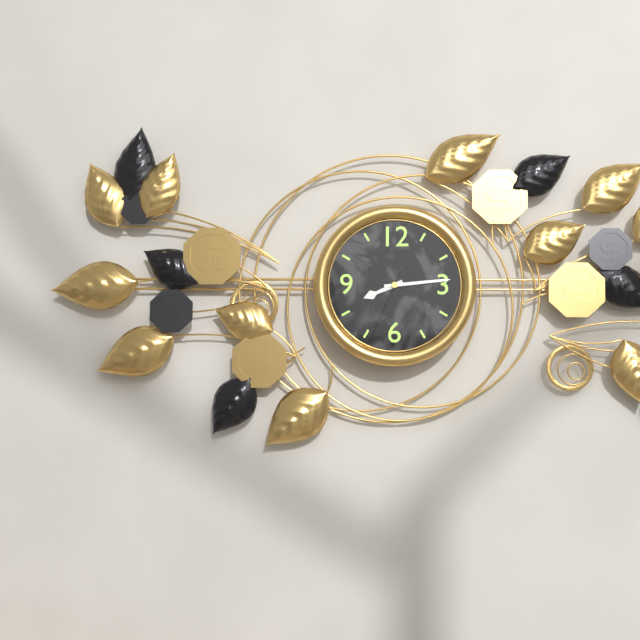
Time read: 8:14:34
